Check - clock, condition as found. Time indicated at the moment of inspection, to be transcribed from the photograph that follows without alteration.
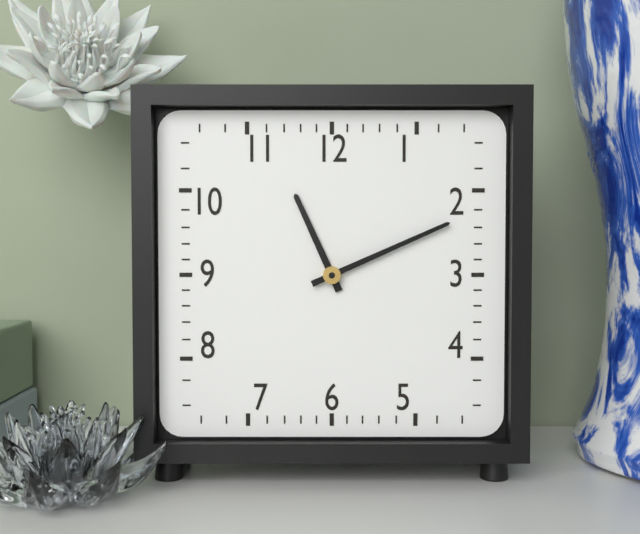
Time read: 11:11
